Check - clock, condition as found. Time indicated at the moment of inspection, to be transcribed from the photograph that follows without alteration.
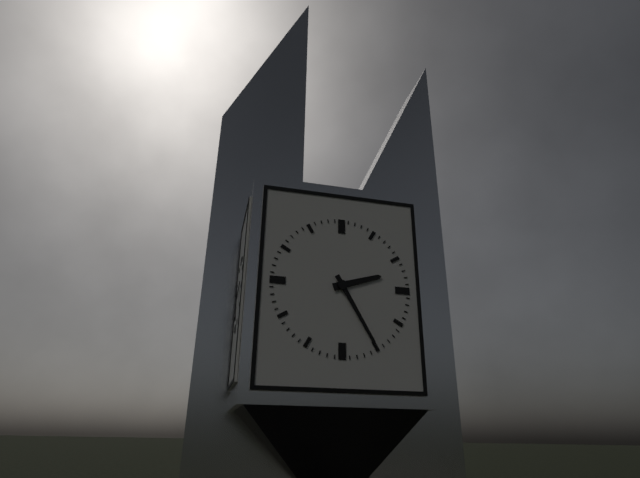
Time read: 2:25
